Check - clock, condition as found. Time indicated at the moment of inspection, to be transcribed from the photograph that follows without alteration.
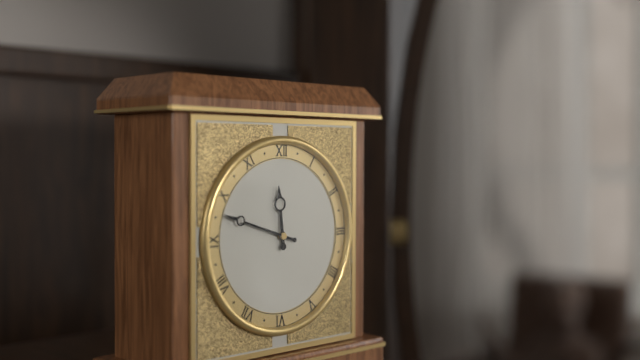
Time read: 11:48
